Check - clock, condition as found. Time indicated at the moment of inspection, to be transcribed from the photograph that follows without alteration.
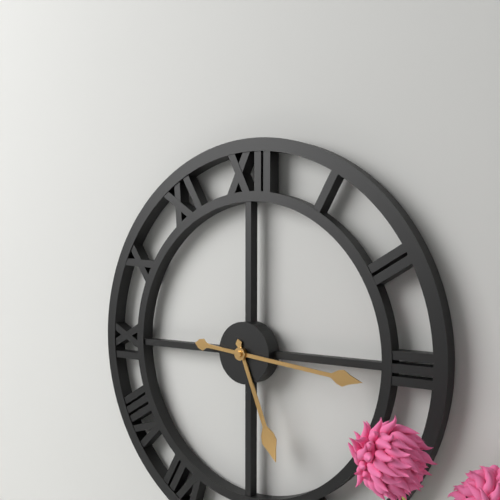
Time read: 5:16
